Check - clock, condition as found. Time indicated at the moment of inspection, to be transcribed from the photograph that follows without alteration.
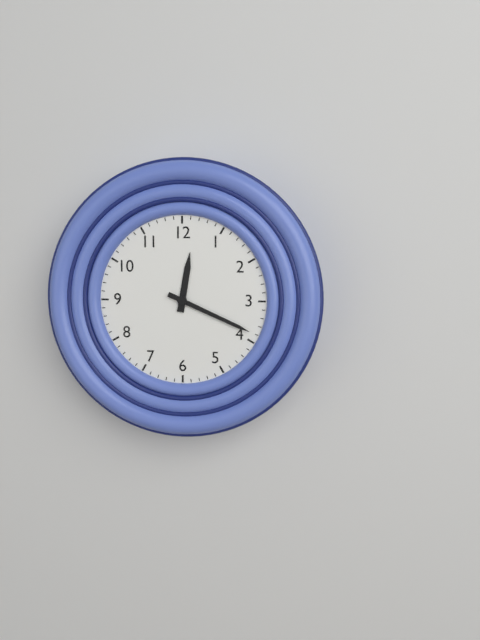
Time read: 12:19
